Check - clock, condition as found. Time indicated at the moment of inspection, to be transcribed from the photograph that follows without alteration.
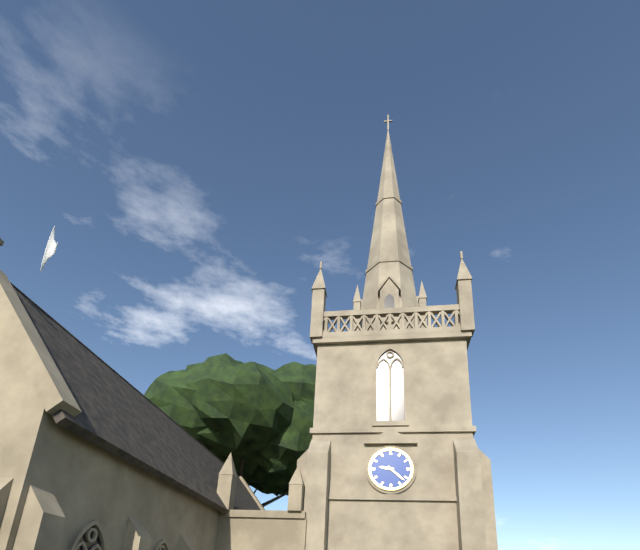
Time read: 9:22
